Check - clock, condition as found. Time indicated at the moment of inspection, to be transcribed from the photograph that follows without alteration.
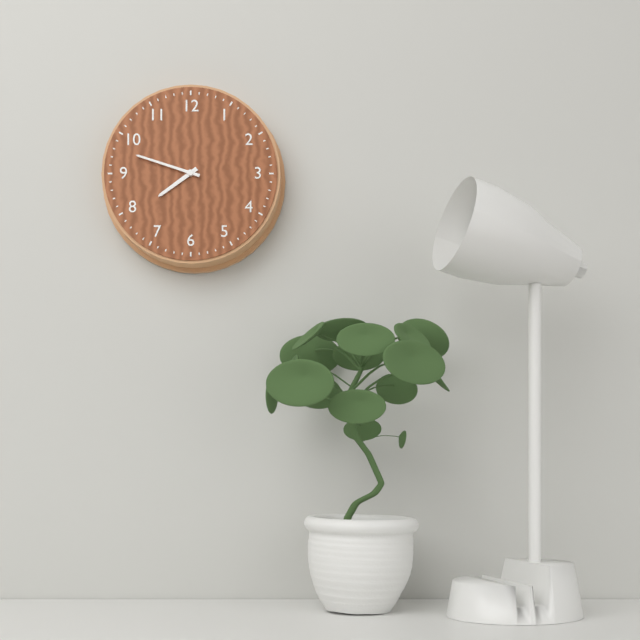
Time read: 7:48
